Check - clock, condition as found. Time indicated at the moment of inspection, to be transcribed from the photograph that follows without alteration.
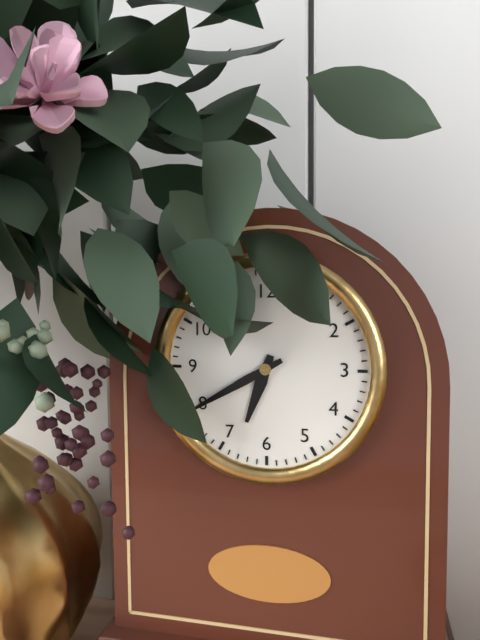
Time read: 6:40
